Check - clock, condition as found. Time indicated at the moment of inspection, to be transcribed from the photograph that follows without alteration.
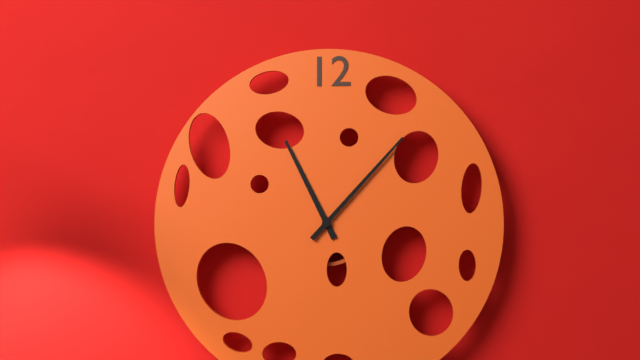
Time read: 11:07
